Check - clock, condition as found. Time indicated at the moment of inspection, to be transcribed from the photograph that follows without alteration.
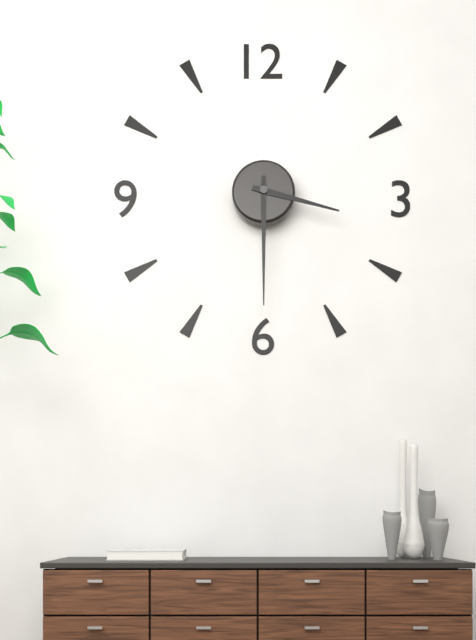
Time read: 3:30
